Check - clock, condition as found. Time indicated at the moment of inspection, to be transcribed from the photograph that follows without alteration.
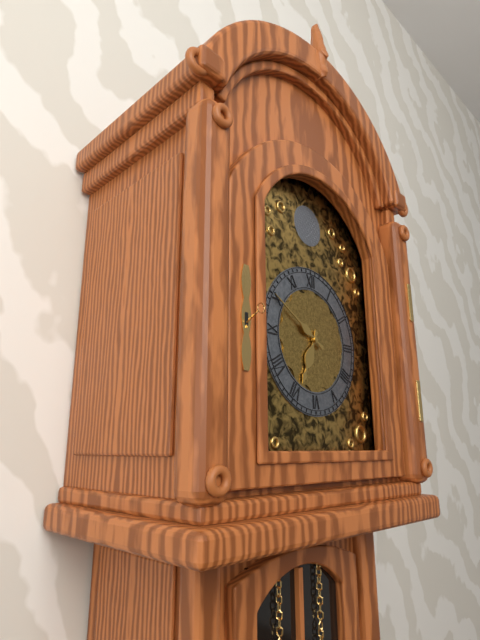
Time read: 6:50
